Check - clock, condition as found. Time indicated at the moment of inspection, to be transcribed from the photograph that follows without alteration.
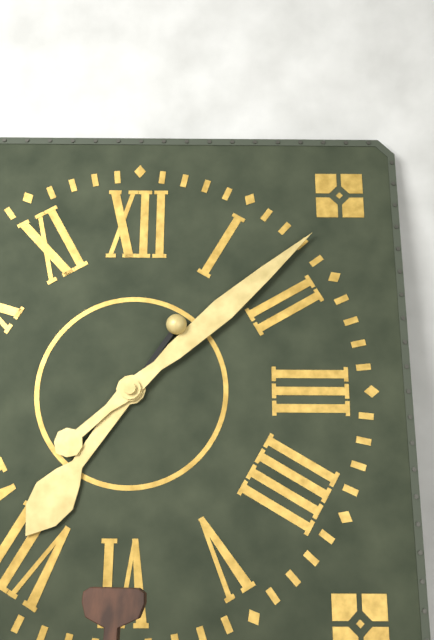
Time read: 7:08
